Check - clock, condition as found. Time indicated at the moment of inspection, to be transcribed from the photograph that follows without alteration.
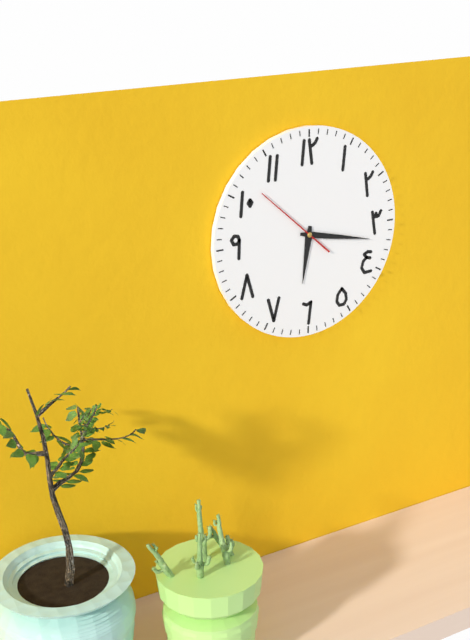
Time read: 6:17:52
